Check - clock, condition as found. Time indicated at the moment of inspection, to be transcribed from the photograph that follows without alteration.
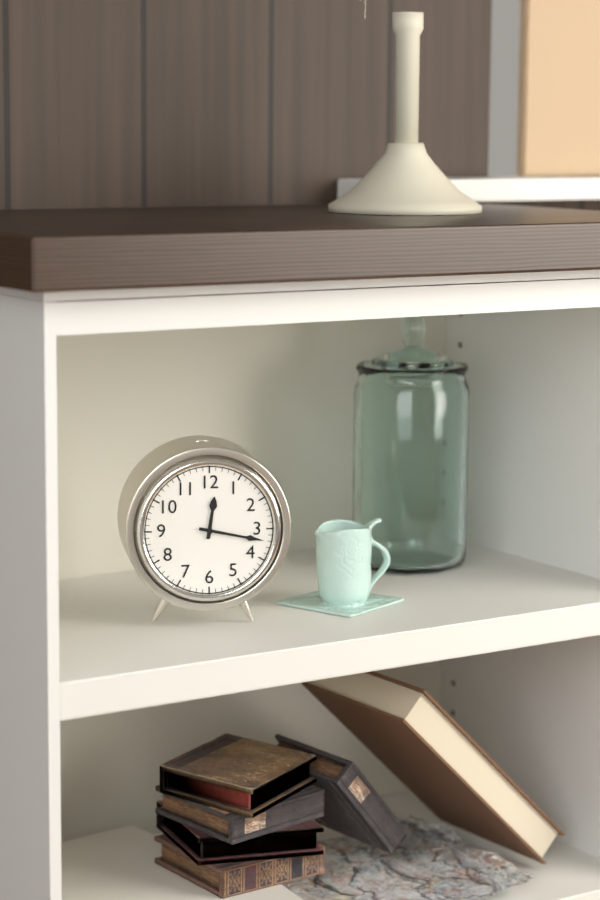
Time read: 12:17
